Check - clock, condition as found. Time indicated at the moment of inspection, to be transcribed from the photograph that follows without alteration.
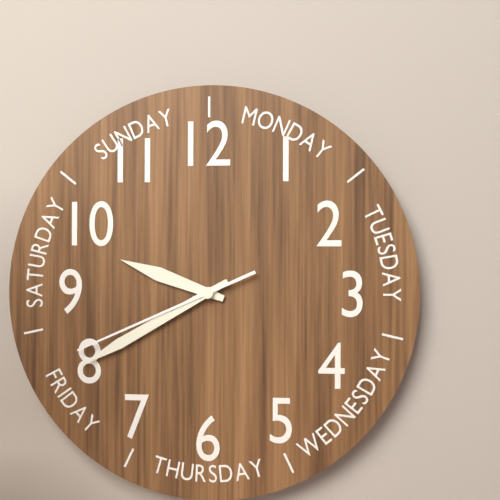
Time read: 9:40:41
